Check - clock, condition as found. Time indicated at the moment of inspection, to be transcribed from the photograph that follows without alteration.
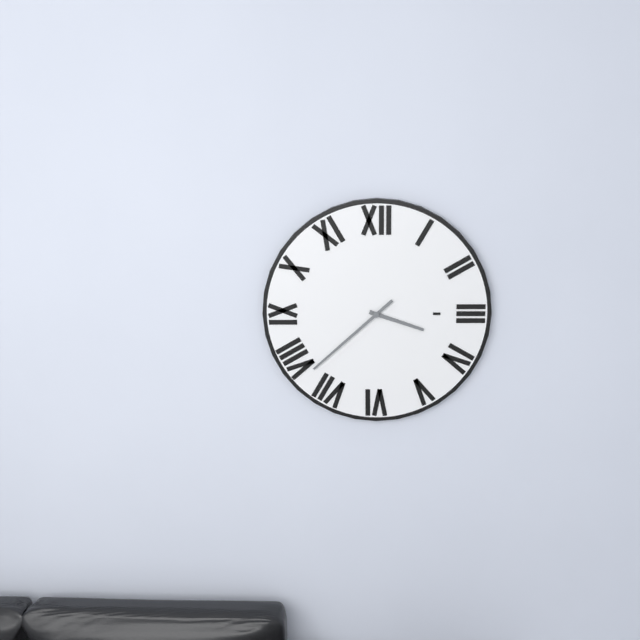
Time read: 3:38
